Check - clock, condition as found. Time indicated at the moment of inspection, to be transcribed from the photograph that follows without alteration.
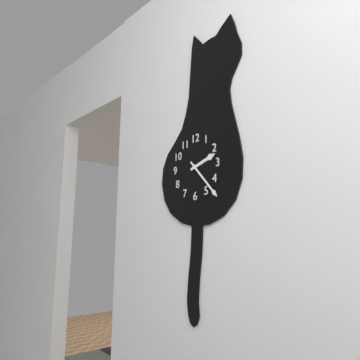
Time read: 2:23
